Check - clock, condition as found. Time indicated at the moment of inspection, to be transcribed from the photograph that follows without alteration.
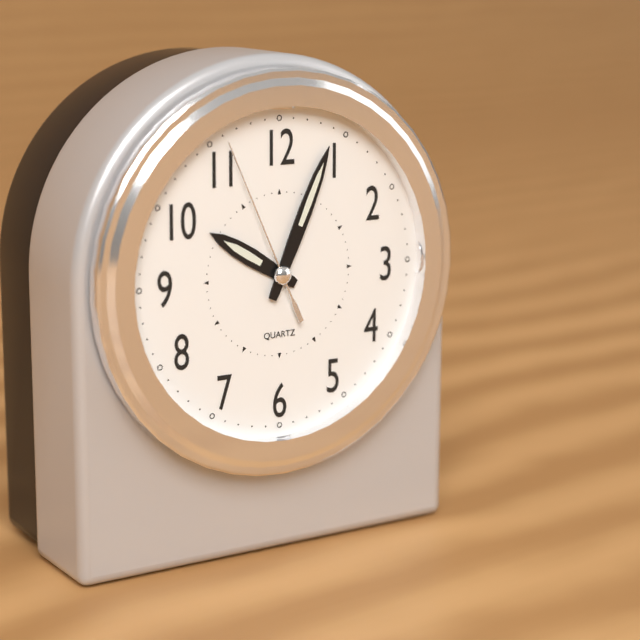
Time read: 10:04:56
